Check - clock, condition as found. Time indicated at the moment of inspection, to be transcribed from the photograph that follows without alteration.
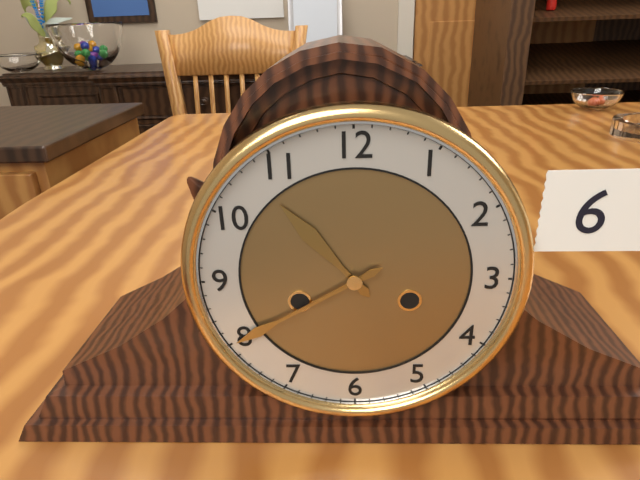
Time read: 10:40
